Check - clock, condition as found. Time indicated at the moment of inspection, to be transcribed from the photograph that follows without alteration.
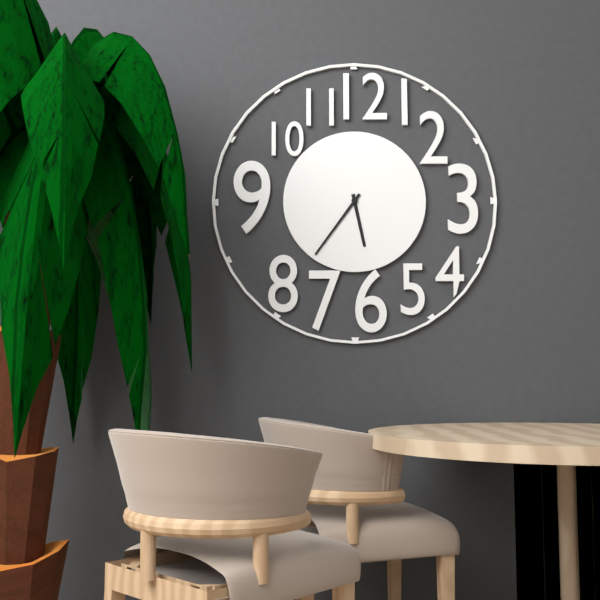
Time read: 5:36
